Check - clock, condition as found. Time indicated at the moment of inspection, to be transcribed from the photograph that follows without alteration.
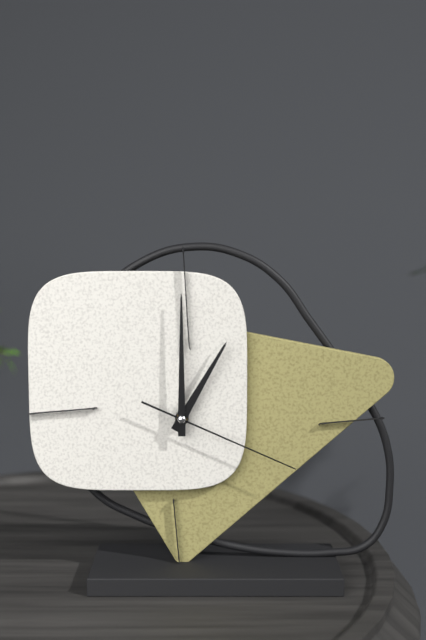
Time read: 1:00:19
